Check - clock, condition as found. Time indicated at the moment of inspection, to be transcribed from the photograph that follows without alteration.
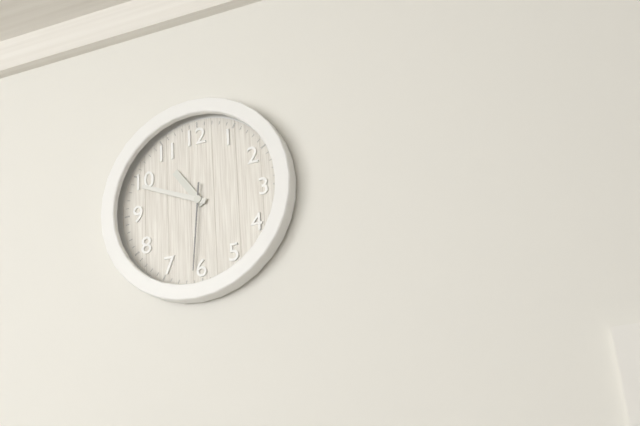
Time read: 10:49:31
